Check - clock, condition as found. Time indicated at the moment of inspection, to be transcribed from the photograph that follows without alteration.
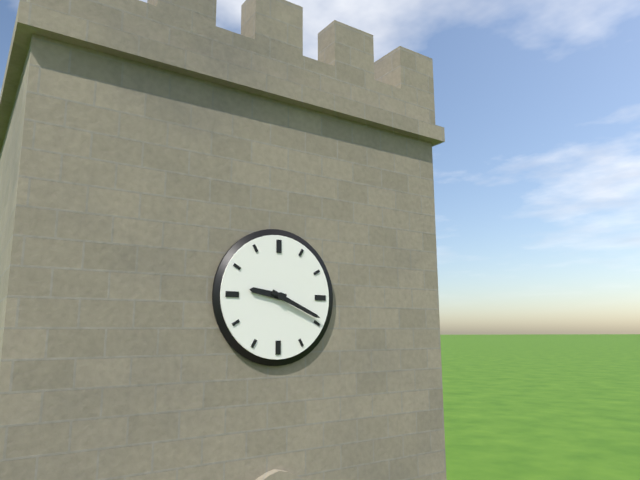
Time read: 9:19
